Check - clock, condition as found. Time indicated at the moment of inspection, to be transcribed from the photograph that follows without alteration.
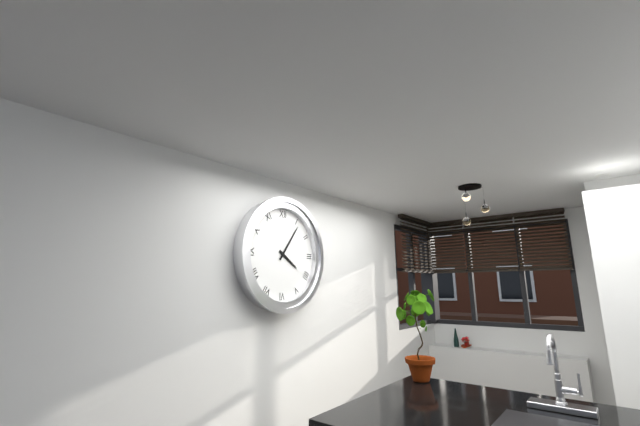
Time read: 4:06
